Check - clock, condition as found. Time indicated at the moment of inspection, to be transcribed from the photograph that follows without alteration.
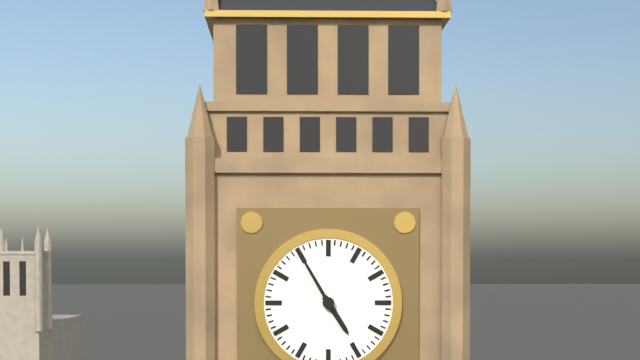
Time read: 4:55
